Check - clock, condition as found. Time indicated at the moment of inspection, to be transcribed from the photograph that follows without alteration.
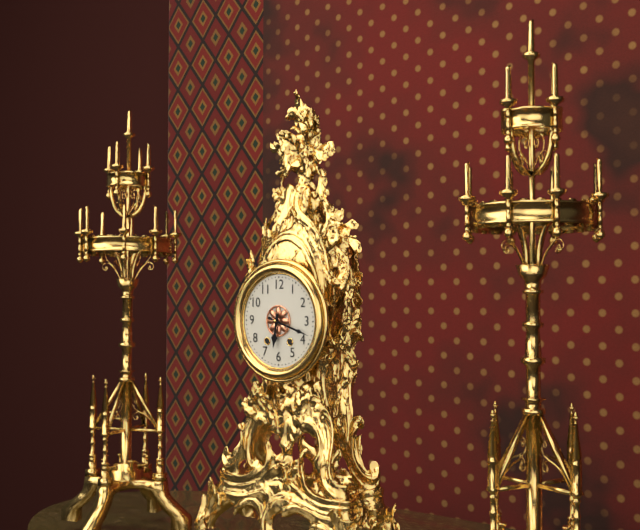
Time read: 6:18
